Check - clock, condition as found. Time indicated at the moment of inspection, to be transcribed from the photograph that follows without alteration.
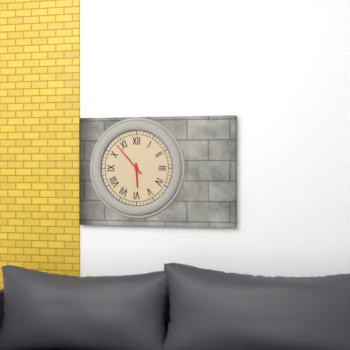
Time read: 5:53
